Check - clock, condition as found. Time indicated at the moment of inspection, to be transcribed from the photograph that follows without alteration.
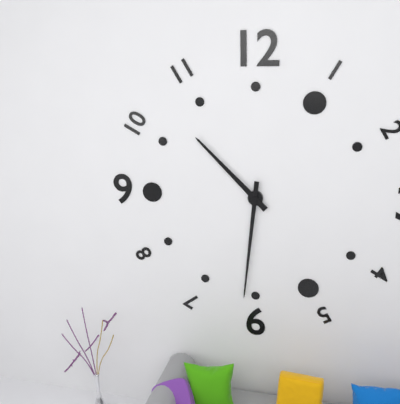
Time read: 10:31
